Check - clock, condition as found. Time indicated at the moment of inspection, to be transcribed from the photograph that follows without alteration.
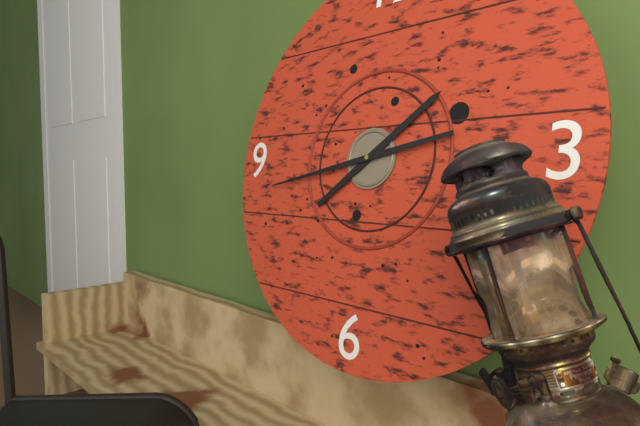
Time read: 1:43
